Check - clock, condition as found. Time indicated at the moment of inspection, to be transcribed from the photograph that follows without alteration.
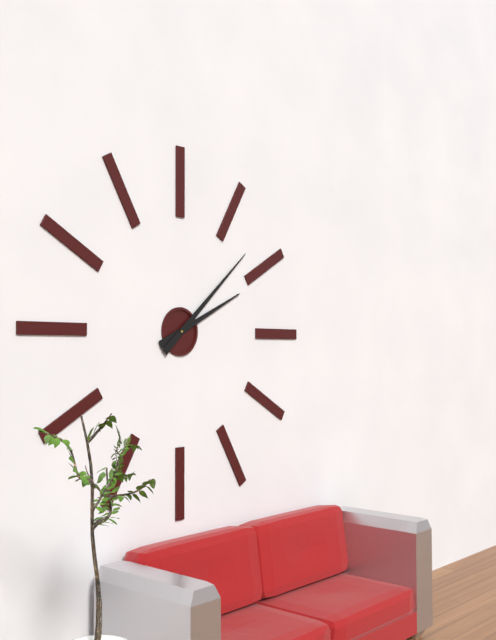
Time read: 2:08
